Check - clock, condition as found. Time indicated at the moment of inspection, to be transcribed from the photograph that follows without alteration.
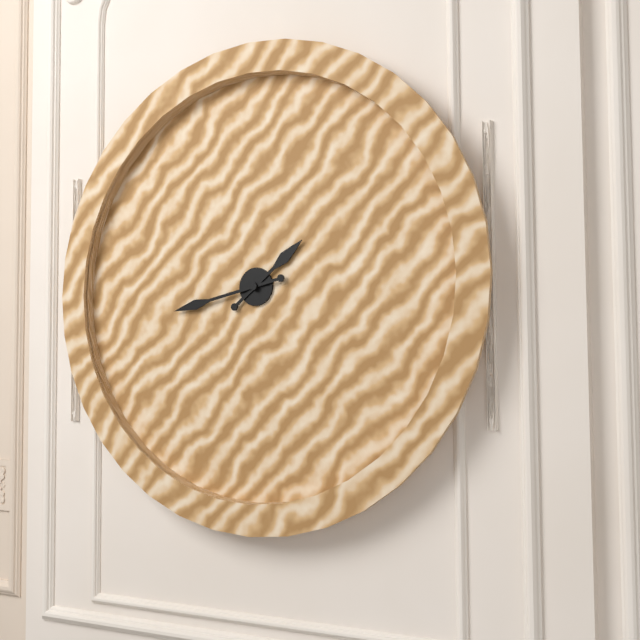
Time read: 1:43
